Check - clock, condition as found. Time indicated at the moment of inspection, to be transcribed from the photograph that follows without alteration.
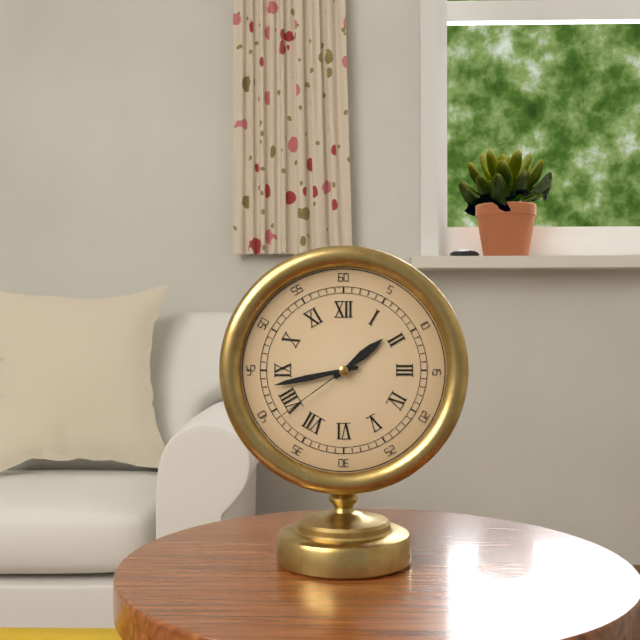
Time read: 1:43:39
